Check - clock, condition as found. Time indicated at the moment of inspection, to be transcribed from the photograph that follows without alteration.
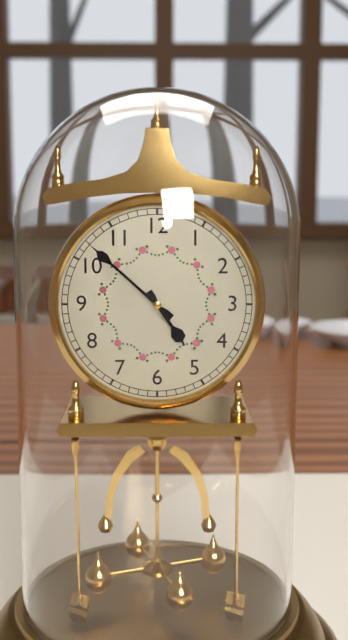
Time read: 4:52
